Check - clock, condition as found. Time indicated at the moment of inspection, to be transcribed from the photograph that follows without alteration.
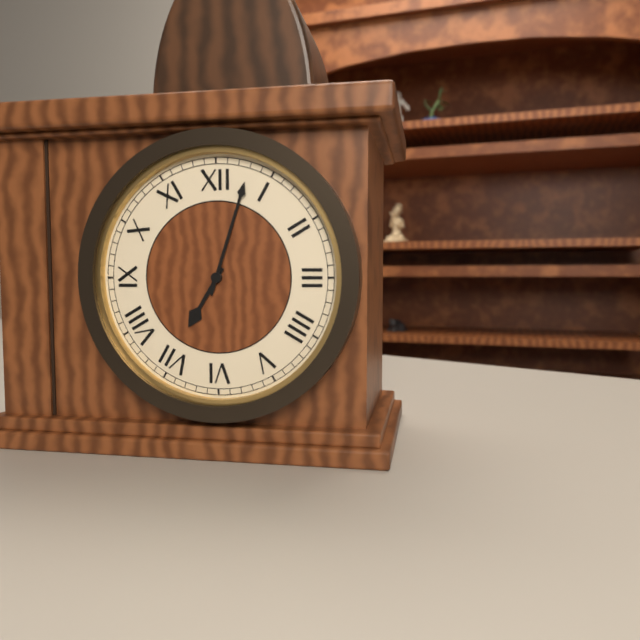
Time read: 7:03
